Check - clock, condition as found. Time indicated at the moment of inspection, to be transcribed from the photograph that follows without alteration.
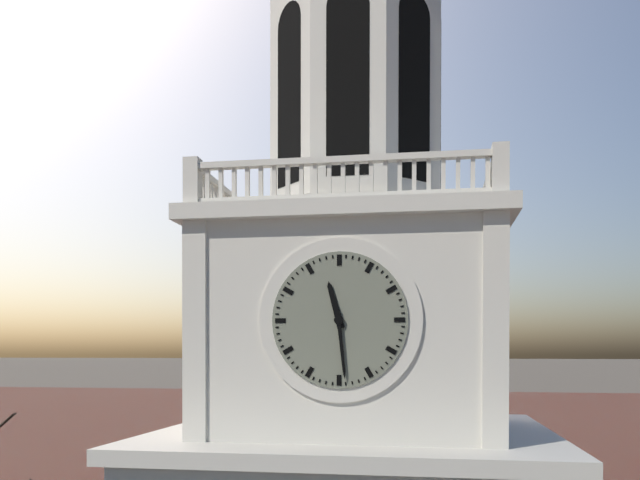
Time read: 11:29
